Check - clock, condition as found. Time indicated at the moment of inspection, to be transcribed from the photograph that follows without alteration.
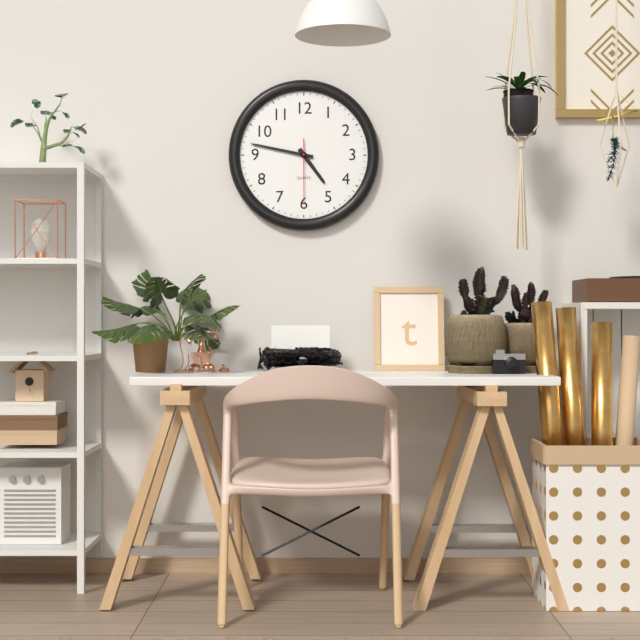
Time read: 4:47:30
